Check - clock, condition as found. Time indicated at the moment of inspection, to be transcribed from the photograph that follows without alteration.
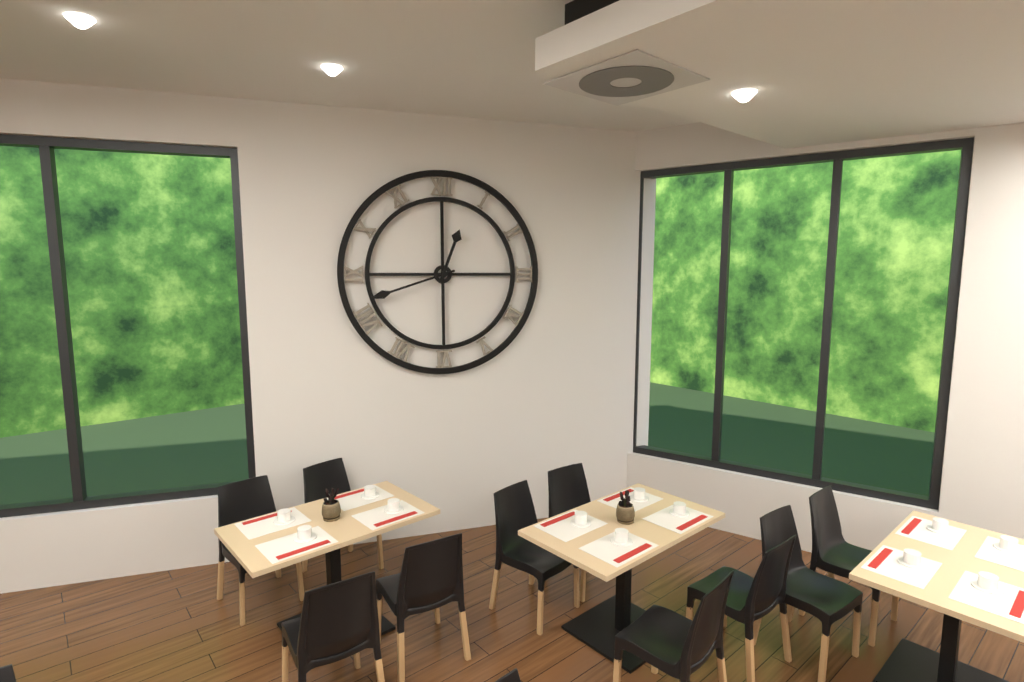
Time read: 12:42
